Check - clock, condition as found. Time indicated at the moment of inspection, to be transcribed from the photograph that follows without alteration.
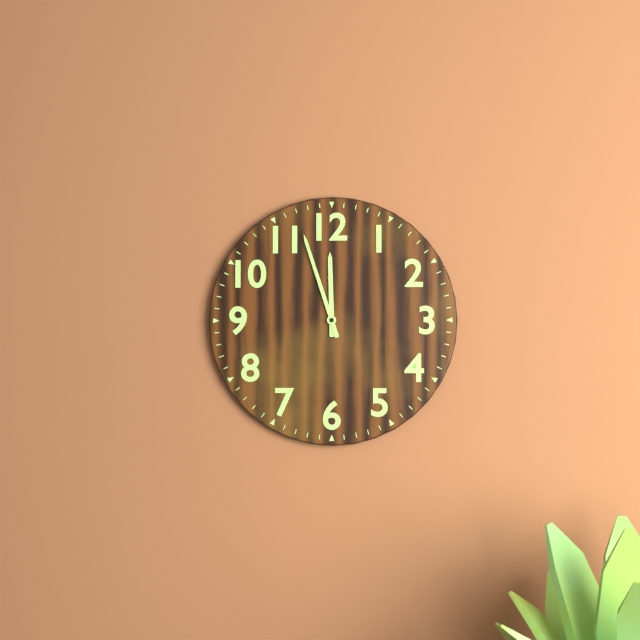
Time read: 11:57
